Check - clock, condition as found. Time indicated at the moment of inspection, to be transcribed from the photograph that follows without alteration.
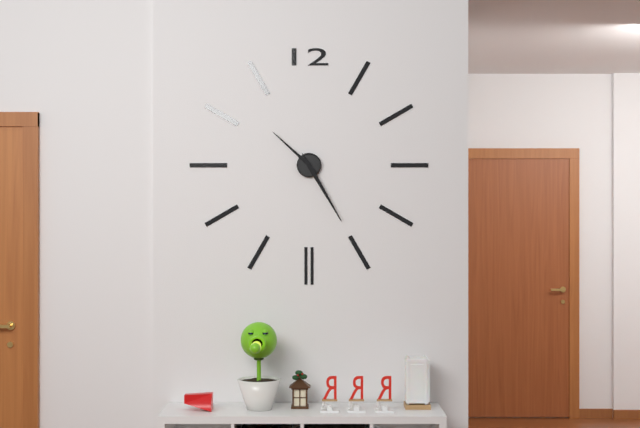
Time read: 10:25
